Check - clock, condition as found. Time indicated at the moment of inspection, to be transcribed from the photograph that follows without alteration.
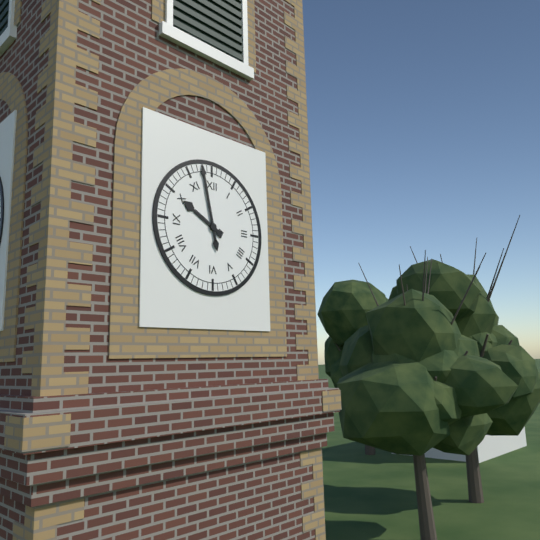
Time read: 9:58
